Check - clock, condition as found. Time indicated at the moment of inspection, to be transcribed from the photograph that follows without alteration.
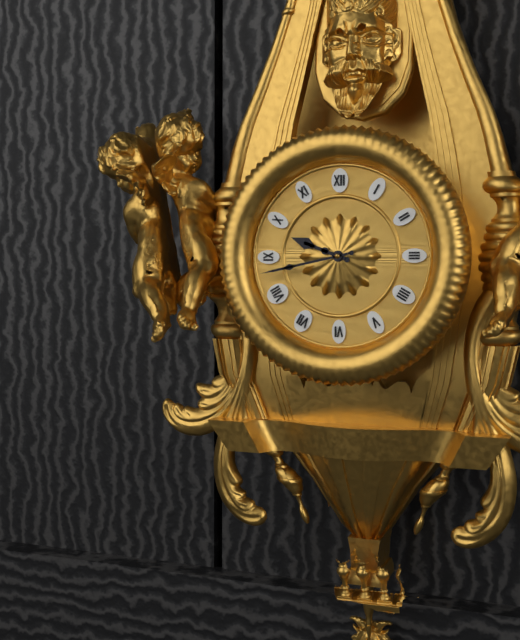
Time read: 9:43
